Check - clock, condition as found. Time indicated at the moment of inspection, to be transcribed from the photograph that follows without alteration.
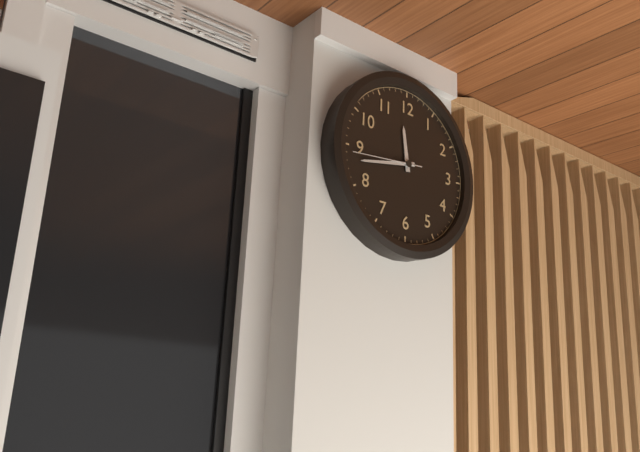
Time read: 11:43:44
